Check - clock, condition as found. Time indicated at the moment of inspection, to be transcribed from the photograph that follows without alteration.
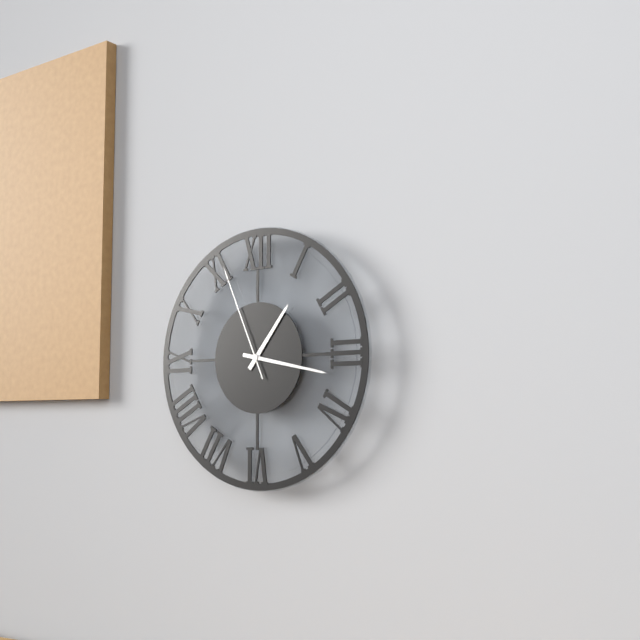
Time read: 1:17:56
